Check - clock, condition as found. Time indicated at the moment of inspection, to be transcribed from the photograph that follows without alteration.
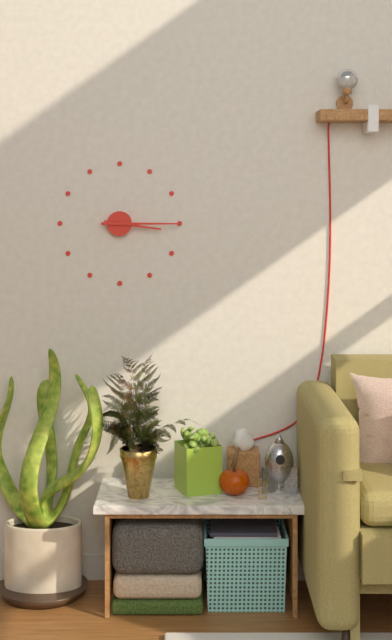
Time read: 3:15
